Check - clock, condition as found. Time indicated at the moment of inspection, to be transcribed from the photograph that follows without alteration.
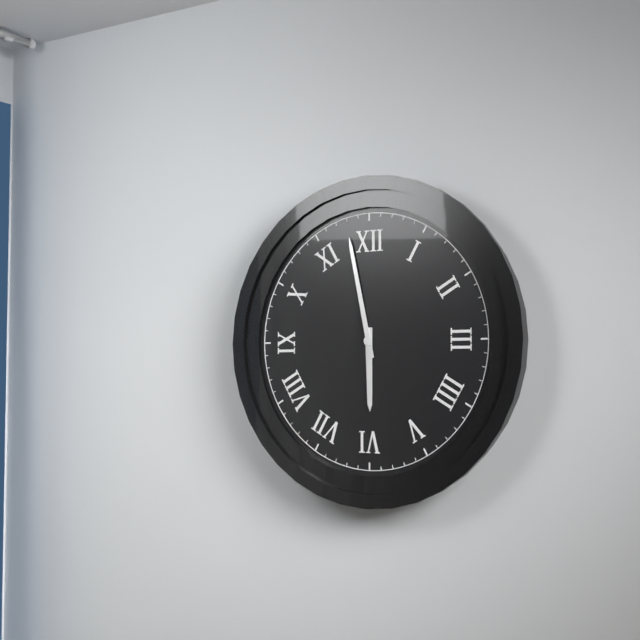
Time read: 5:58
